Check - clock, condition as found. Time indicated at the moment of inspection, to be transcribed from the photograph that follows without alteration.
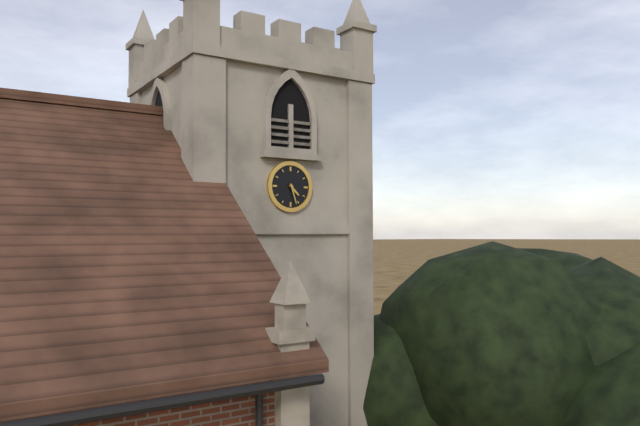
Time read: 4:27
